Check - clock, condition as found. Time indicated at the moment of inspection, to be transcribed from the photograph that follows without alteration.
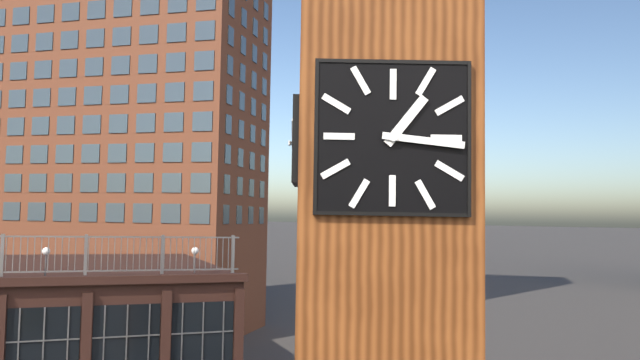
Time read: 1:16
